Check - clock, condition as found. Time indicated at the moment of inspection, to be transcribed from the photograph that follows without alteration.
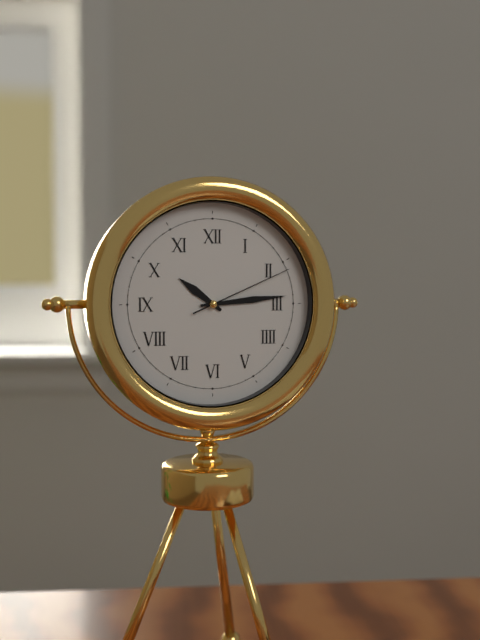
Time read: 10:14:11
